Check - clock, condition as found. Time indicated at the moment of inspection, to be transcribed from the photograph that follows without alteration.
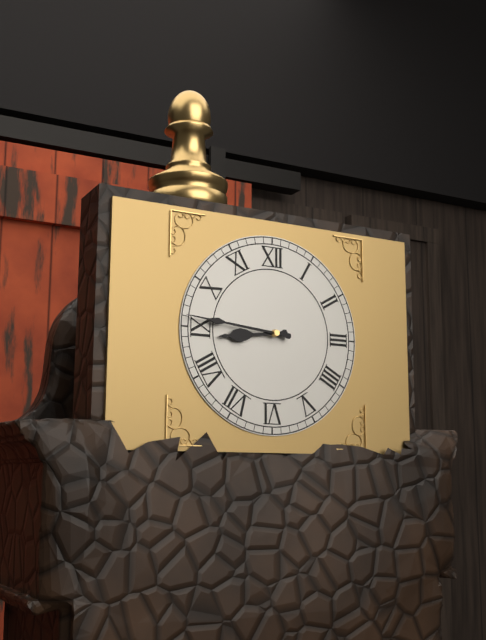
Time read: 8:46
